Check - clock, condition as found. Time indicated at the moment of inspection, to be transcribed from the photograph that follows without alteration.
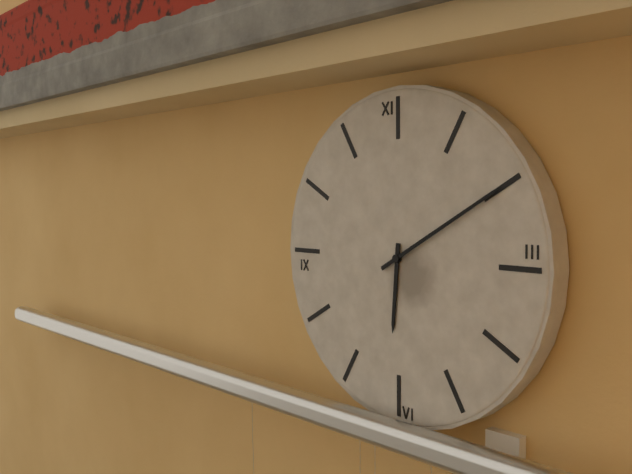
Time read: 6:10
